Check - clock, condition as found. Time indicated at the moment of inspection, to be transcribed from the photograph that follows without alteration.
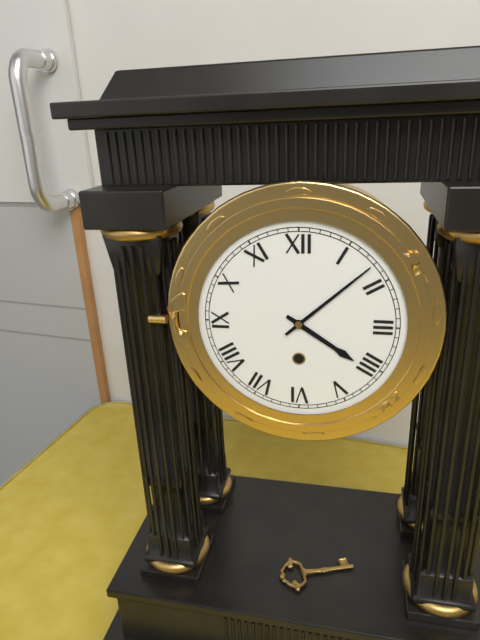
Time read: 4:08
